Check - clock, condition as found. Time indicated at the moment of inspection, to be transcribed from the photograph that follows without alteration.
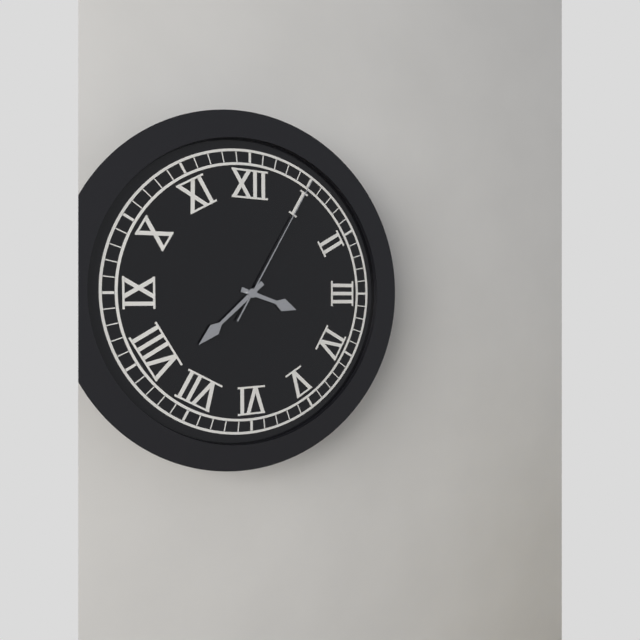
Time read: 3:38:05
